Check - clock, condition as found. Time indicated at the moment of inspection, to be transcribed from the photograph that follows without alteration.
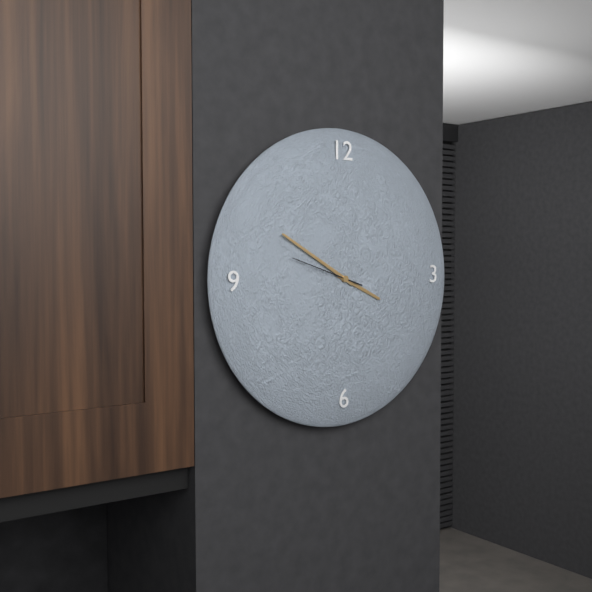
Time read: 3:50:48
